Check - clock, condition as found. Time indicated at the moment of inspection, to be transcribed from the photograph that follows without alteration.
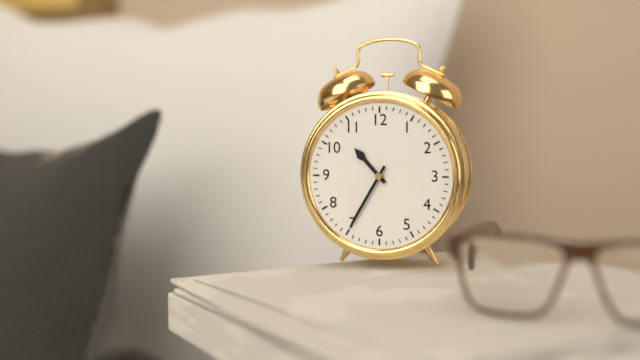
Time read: 10:35
